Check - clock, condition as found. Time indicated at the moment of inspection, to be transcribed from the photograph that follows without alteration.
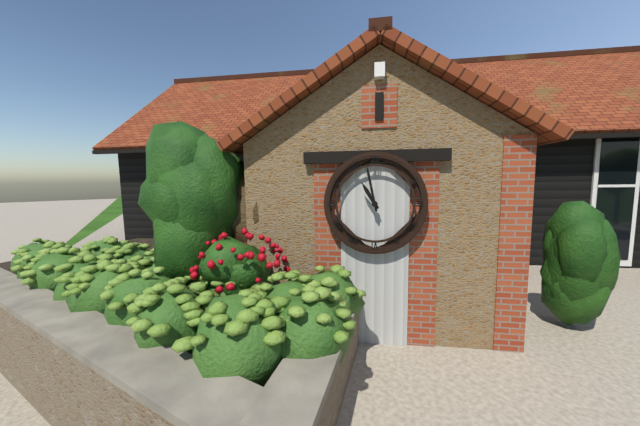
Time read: 10:58
